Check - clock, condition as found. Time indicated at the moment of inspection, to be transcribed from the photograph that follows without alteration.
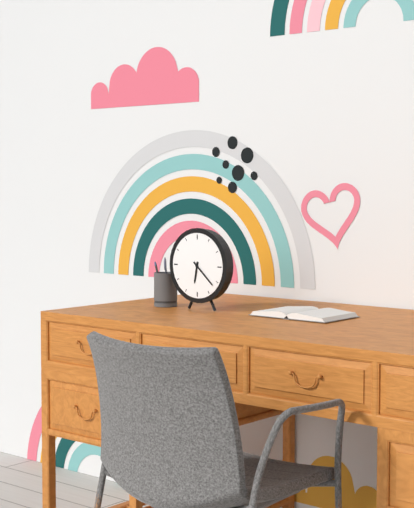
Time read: 6:22
